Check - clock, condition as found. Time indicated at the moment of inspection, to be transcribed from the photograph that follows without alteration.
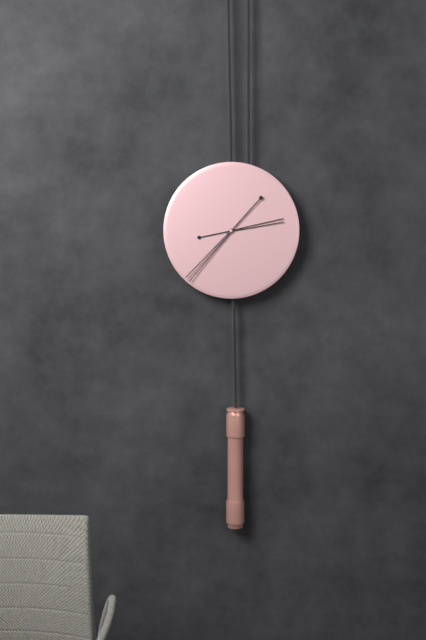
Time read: 2:37
